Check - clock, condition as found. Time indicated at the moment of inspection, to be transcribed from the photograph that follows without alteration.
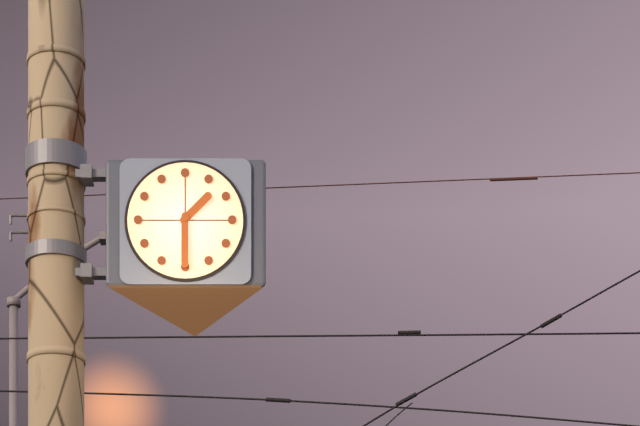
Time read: 1:30
